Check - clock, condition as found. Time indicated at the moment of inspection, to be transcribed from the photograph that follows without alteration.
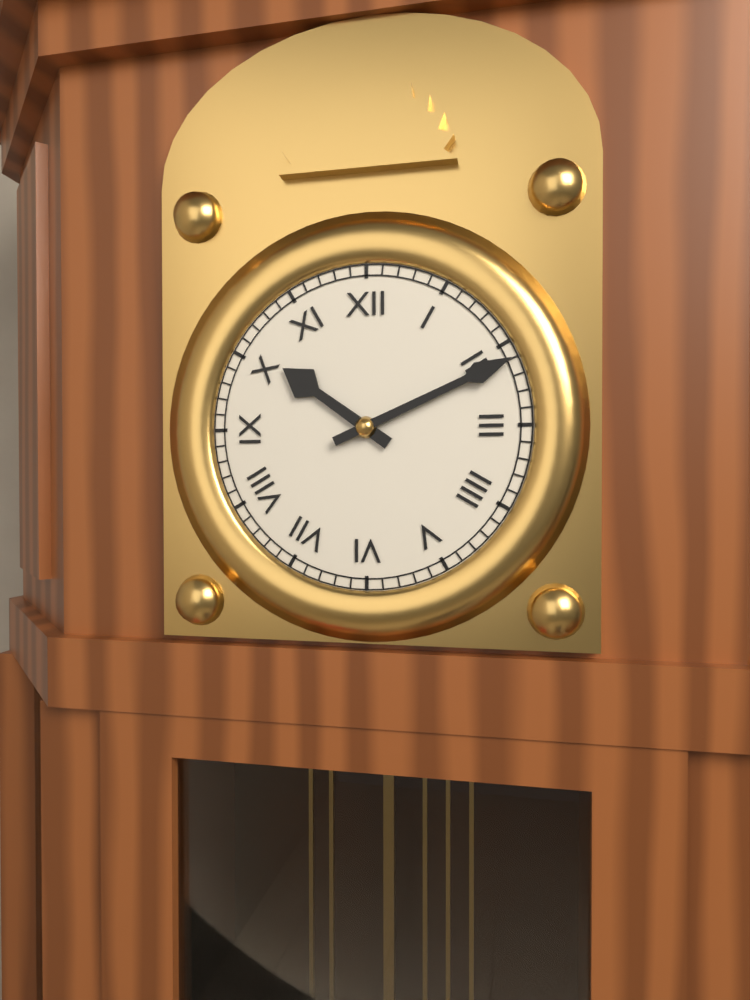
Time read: 10:11
